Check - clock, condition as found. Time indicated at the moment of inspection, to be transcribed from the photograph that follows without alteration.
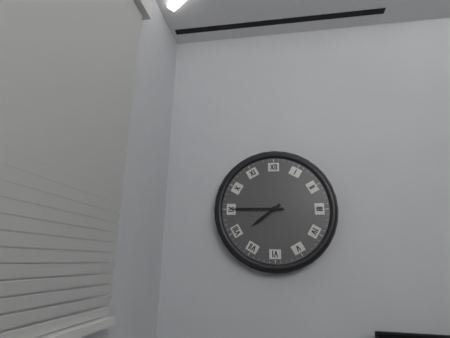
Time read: 7:45
